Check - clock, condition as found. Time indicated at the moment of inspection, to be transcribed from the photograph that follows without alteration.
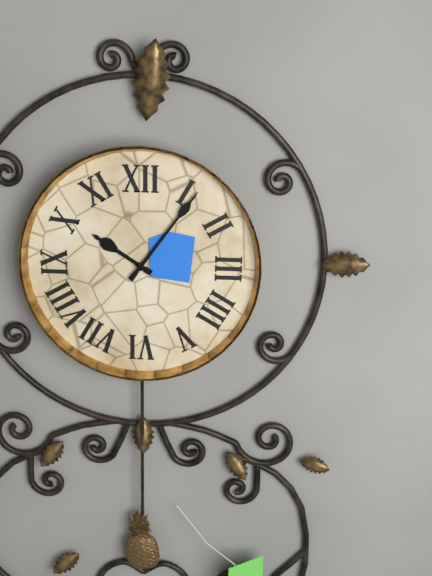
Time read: 10:06
